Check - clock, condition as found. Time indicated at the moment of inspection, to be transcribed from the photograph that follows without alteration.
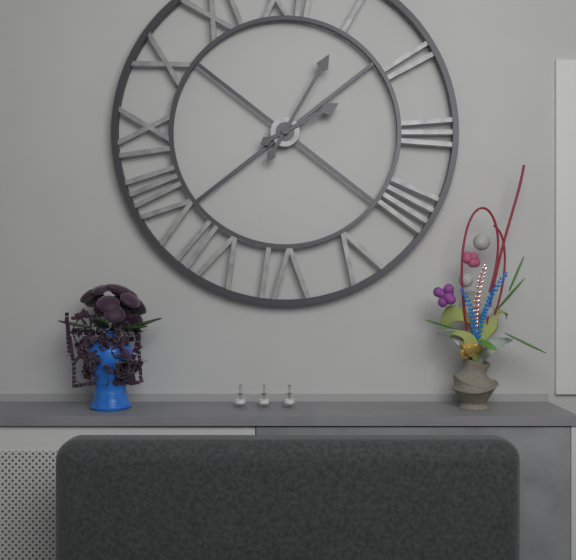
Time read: 2:05
